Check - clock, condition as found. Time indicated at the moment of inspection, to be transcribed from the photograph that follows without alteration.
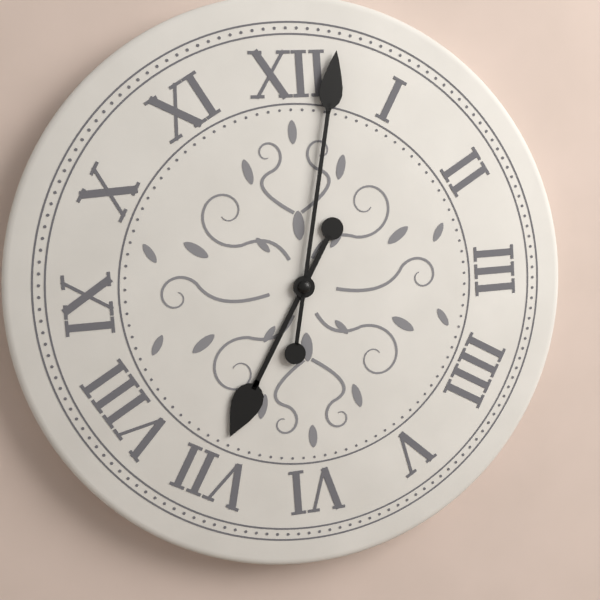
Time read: 7:02
